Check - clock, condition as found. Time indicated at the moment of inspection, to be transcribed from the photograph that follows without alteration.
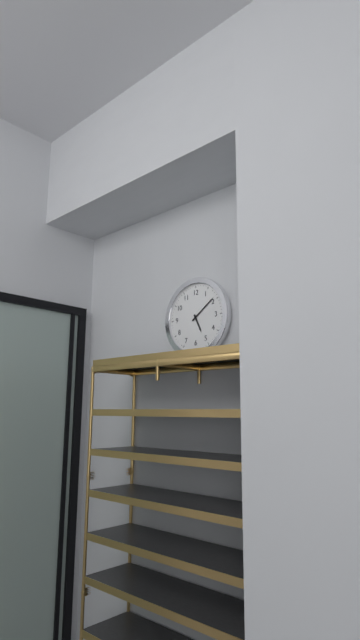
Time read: 5:09
